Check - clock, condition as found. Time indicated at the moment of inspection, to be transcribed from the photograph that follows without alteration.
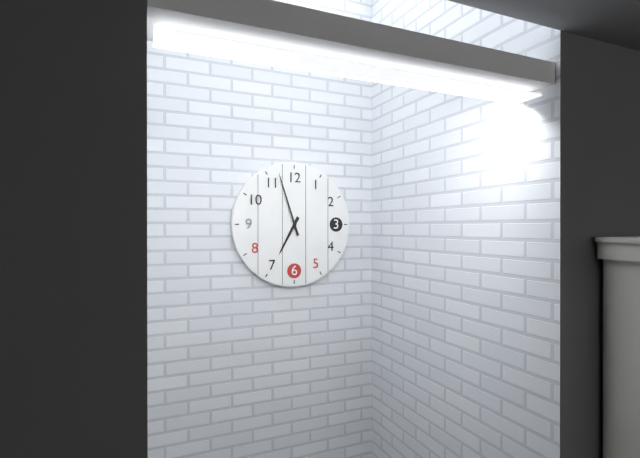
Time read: 6:57
